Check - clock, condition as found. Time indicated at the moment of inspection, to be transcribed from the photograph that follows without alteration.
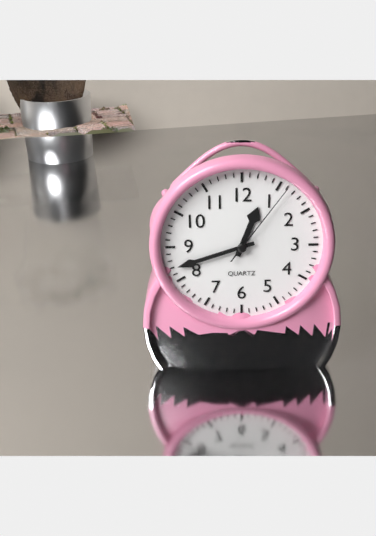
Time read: 12:42:06
